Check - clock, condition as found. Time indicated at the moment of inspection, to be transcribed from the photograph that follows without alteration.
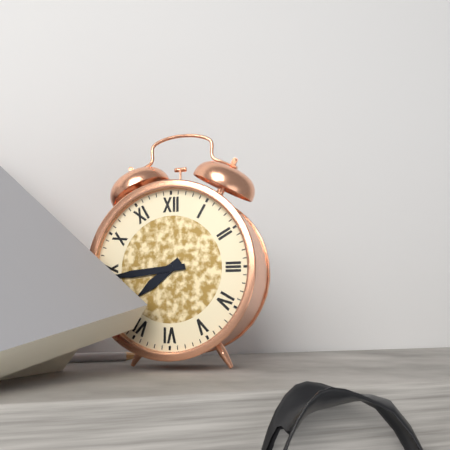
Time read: 7:44
